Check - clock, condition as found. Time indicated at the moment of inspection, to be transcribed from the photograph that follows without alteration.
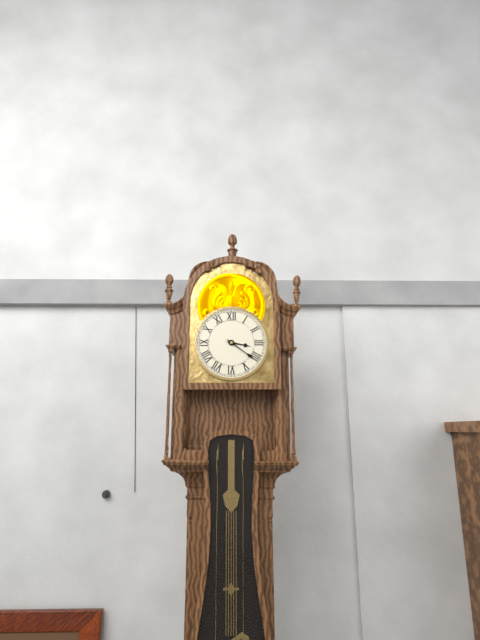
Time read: 3:21
